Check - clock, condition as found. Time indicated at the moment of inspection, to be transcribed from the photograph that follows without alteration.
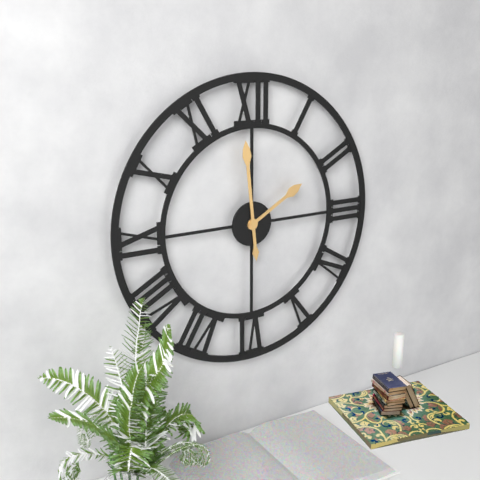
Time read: 1:59
